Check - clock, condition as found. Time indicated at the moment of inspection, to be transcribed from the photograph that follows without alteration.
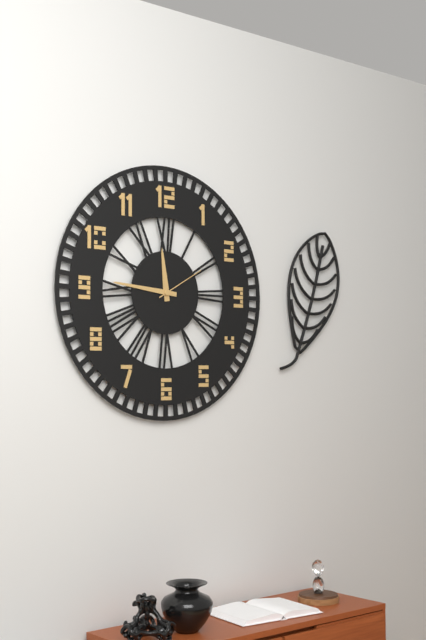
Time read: 11:46:10
